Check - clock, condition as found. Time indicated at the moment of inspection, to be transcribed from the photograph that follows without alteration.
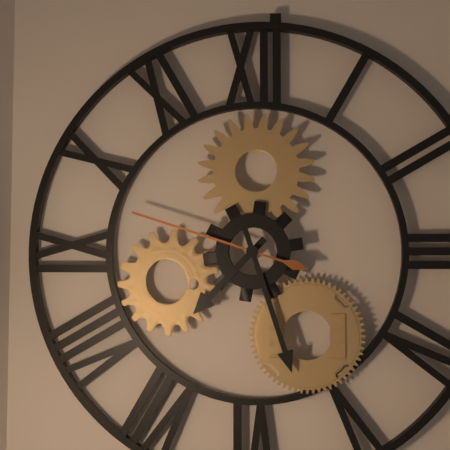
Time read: 7:27:48
